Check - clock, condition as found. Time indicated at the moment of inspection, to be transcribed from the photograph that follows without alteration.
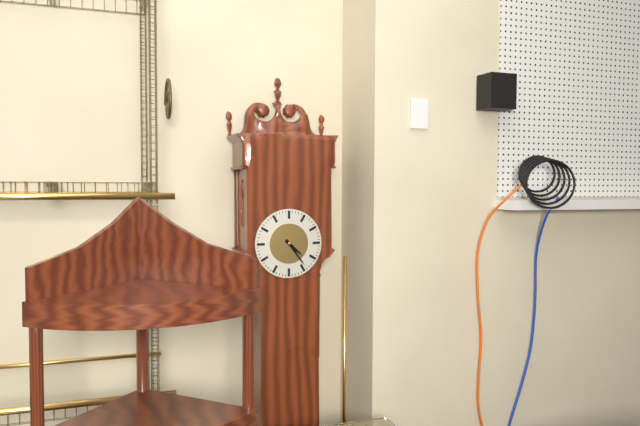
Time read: 4:24
